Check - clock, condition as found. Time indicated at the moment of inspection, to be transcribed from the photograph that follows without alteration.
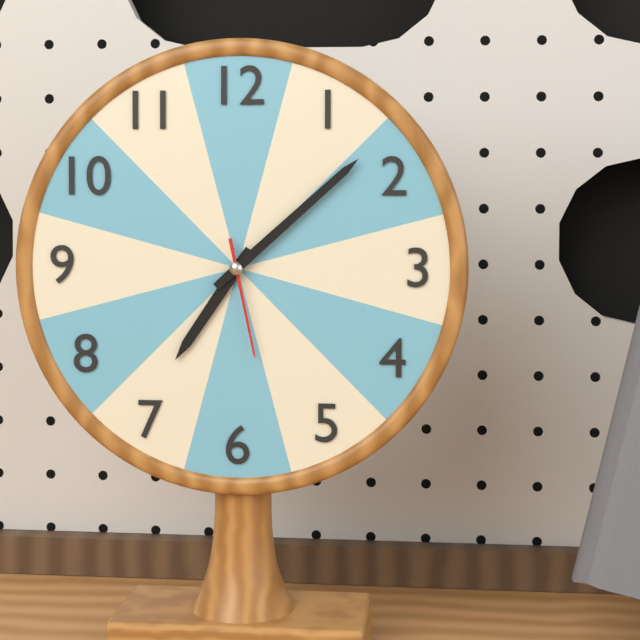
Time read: 7:08:28
